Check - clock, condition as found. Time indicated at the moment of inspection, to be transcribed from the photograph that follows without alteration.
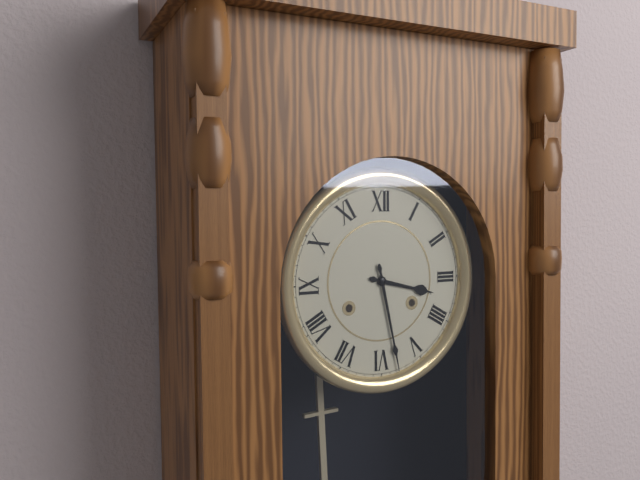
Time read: 3:28
